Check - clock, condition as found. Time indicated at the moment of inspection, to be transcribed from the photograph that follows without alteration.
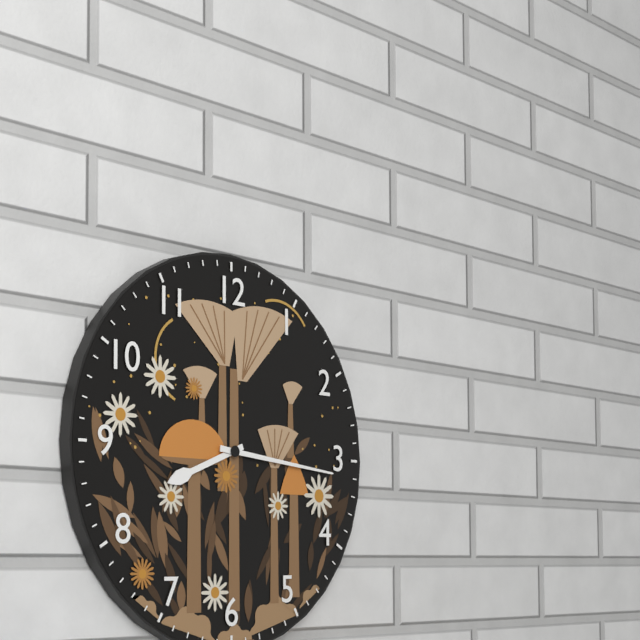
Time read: 8:16
